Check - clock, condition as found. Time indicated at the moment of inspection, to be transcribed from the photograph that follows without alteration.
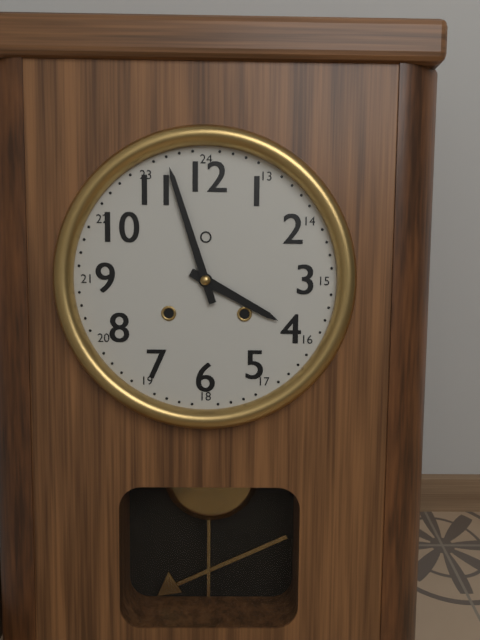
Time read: 3:57
